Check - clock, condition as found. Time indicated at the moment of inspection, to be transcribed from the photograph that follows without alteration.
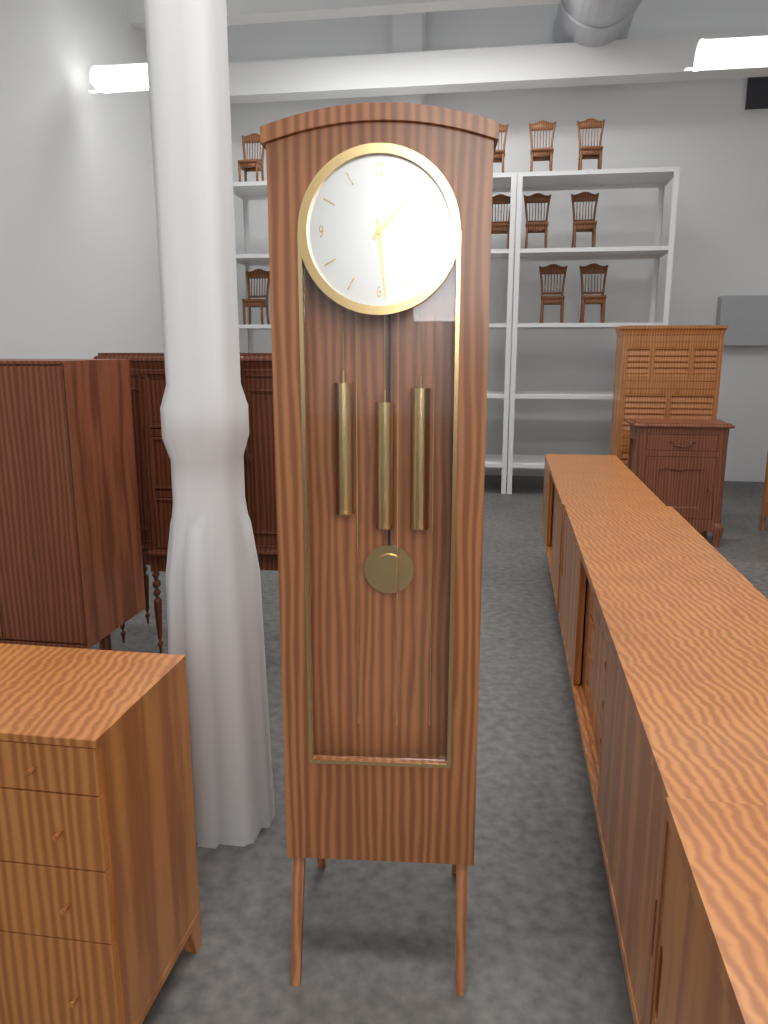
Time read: 1:29
